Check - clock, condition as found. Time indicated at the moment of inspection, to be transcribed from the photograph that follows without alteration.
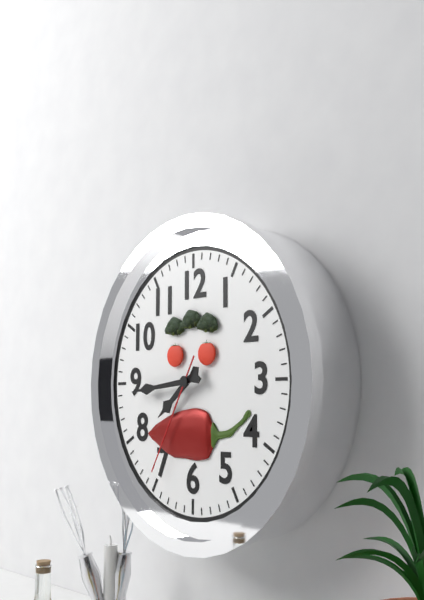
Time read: 7:44:35
